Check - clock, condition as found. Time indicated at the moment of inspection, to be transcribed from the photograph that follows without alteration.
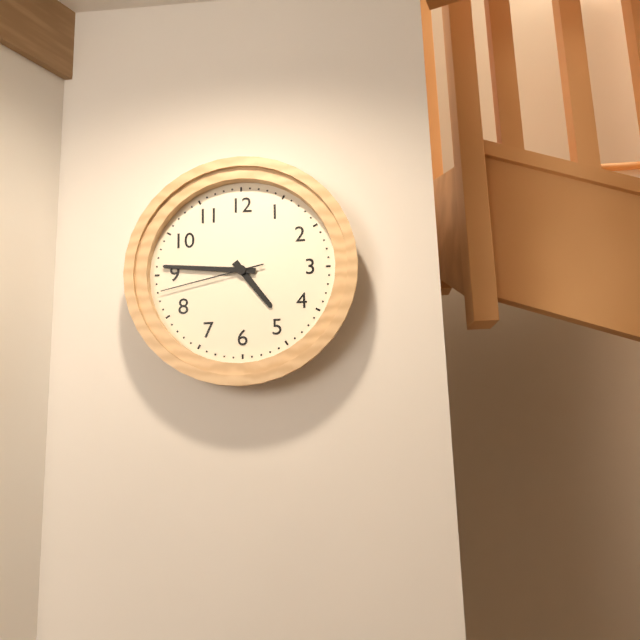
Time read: 4:46:43
